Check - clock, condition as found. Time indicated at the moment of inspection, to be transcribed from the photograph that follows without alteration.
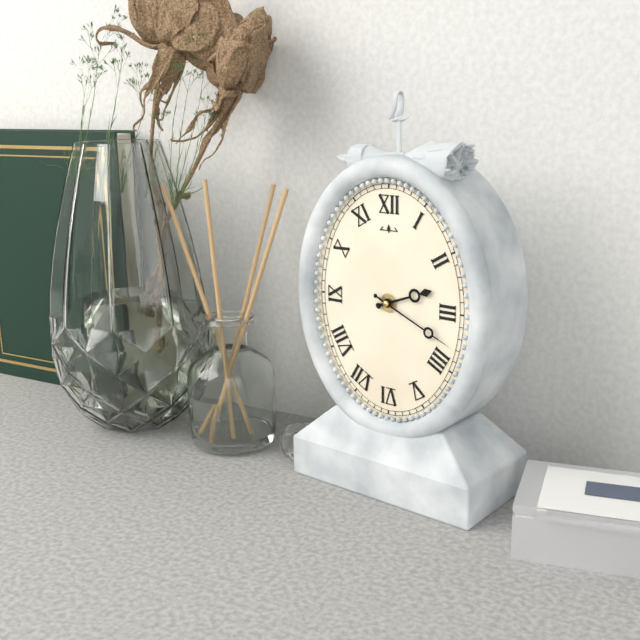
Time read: 2:19
